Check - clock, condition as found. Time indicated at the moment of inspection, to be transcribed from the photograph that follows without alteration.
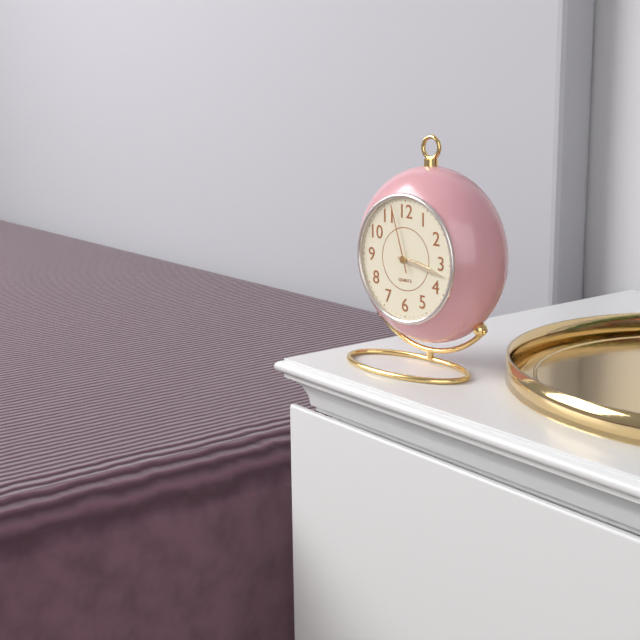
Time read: 3:17:57
